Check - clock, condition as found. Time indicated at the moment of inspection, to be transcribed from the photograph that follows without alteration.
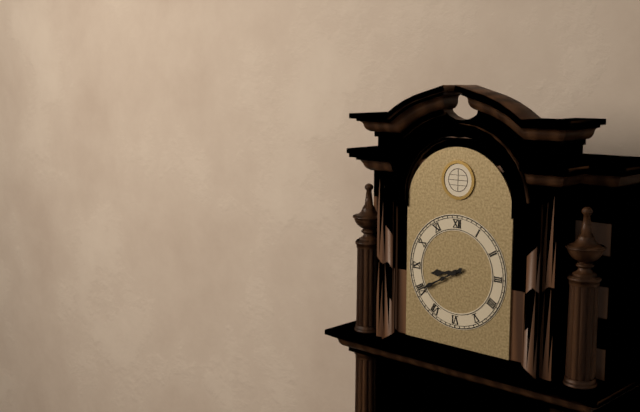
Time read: 8:40
